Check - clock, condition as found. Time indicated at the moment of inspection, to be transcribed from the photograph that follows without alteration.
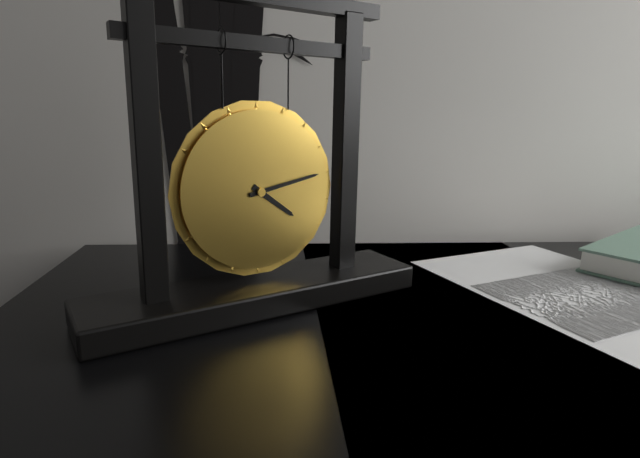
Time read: 4:13
